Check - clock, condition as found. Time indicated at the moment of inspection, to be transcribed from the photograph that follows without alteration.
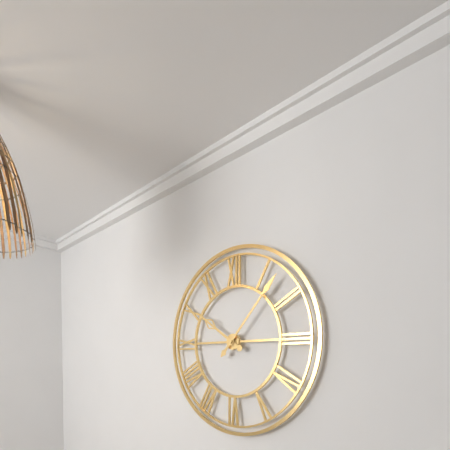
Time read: 10:07
